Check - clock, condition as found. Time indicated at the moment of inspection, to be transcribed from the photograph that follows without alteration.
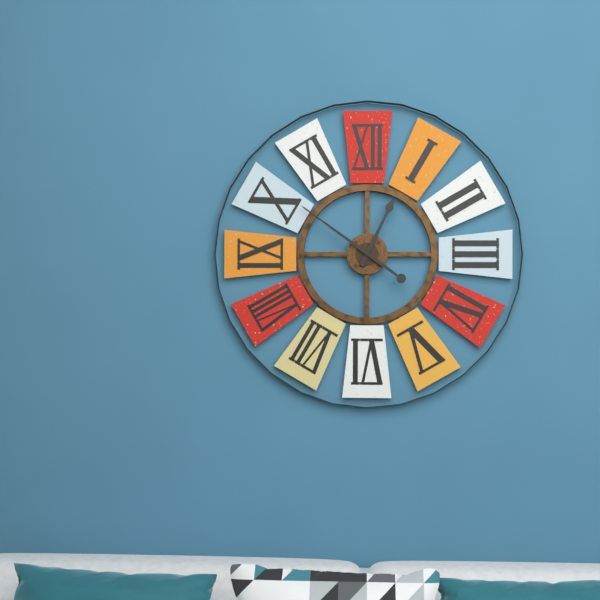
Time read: 12:51
